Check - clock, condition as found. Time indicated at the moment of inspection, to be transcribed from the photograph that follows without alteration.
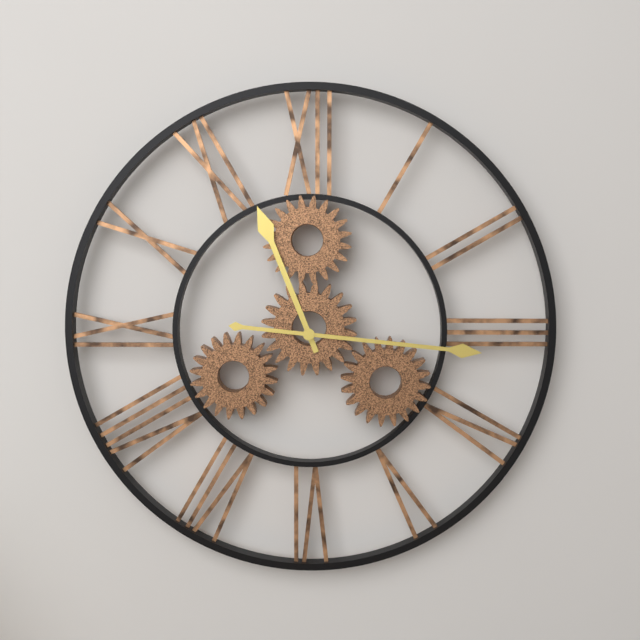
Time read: 11:16
